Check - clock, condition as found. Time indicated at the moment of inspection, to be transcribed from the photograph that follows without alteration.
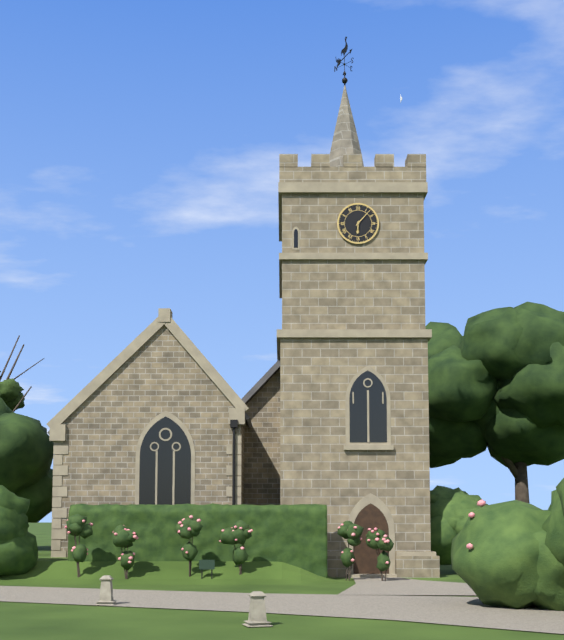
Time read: 6:07
